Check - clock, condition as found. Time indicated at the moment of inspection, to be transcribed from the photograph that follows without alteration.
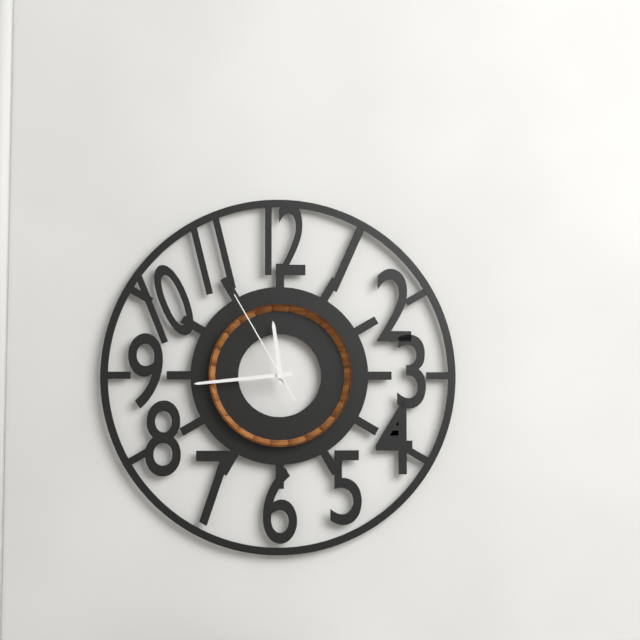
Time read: 11:44:55
